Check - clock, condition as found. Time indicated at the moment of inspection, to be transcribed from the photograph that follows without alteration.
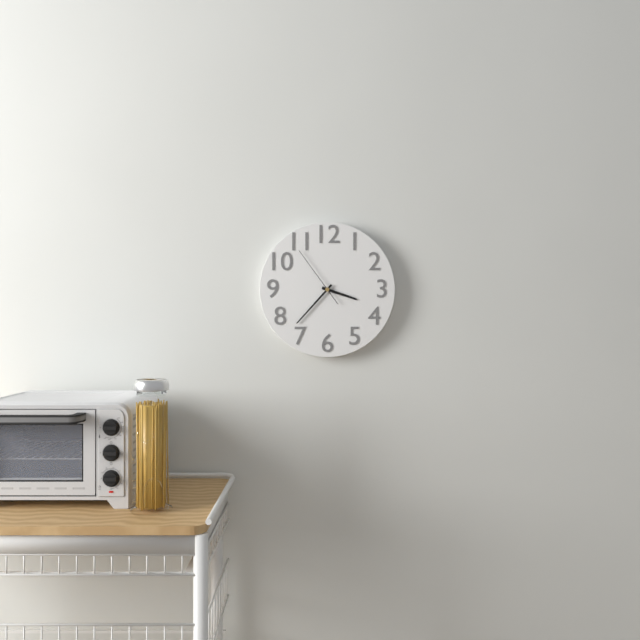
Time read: 3:37:54
